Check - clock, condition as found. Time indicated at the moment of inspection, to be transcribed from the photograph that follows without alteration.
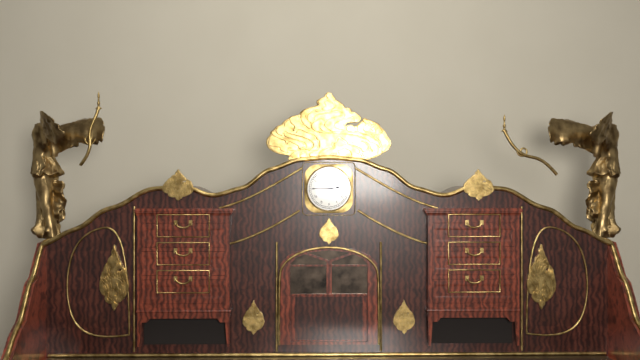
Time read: 2:45
